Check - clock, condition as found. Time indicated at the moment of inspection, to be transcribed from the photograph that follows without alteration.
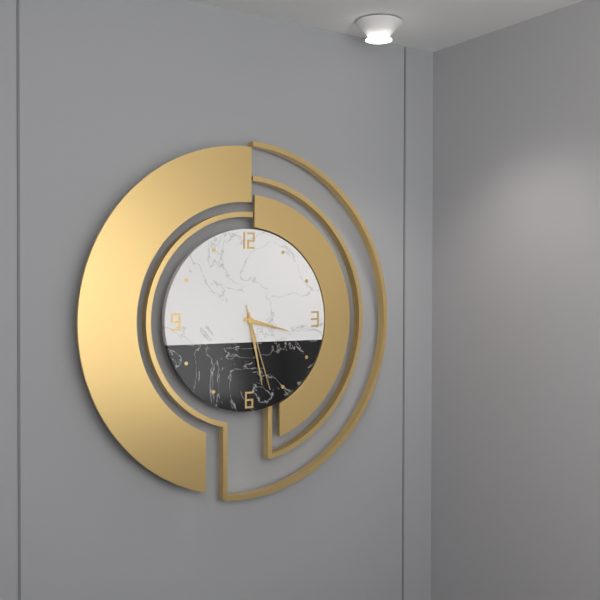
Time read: 3:28:27
